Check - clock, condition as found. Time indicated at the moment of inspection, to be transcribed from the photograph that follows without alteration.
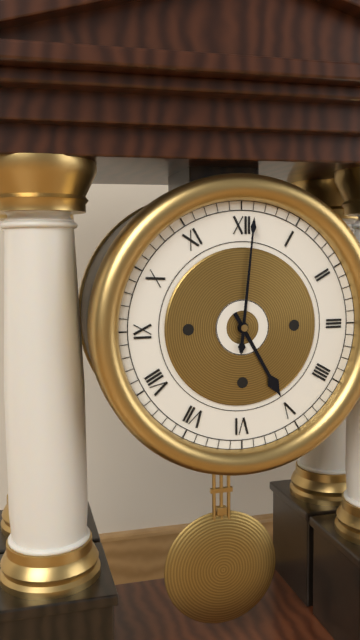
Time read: 5:01
